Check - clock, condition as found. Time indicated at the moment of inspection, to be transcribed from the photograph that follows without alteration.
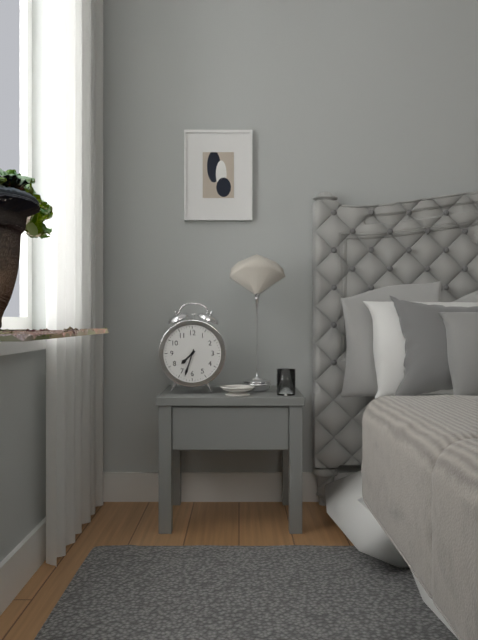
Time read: 7:33
